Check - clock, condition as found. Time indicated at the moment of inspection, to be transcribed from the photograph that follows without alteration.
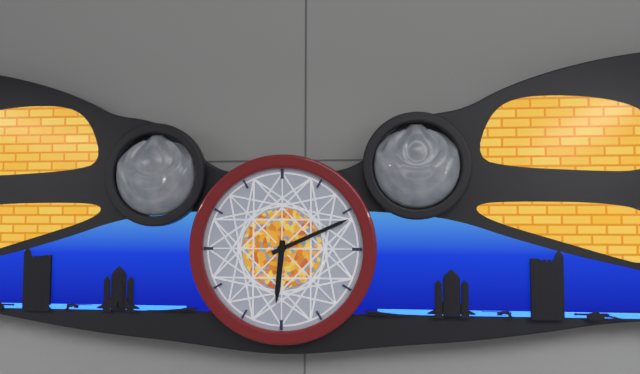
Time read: 6:11
